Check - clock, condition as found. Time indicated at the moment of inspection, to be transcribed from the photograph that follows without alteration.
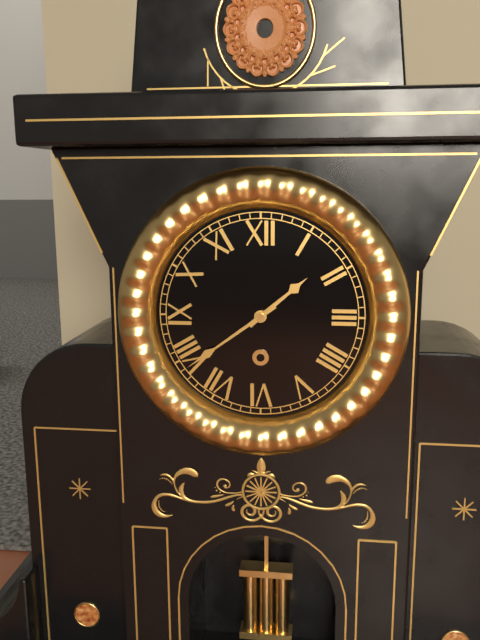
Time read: 1:39
